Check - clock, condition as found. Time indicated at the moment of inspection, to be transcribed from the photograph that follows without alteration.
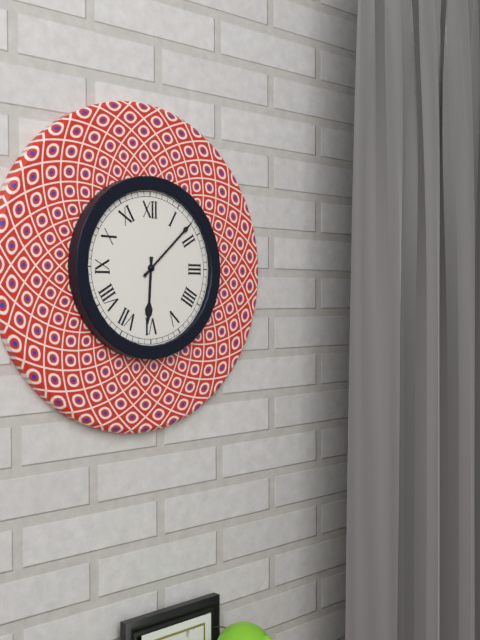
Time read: 6:08
